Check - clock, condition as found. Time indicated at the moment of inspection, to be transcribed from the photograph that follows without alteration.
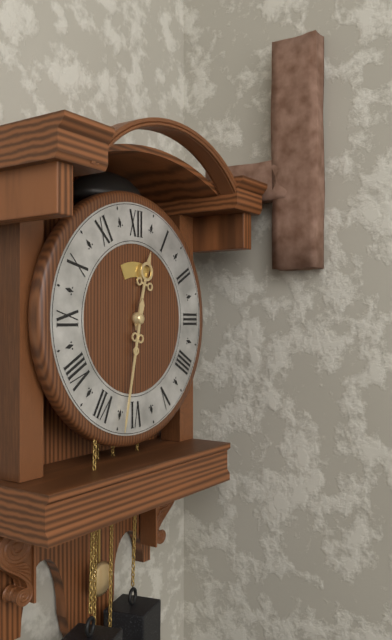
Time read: 12:32
